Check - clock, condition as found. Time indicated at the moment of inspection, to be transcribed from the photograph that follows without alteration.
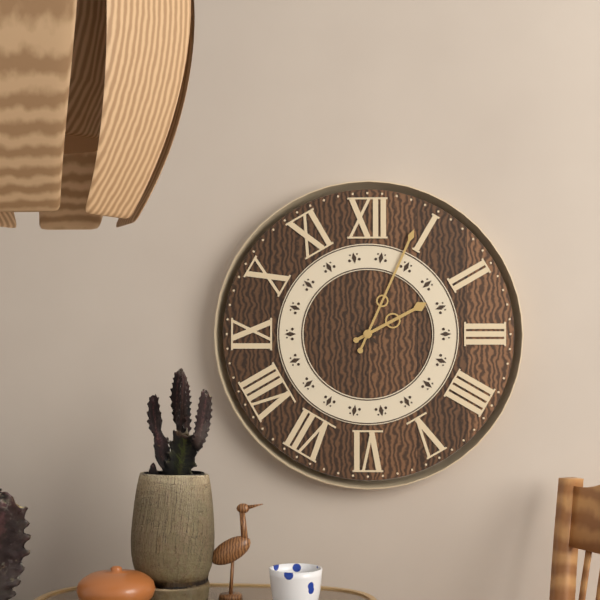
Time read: 2:04
